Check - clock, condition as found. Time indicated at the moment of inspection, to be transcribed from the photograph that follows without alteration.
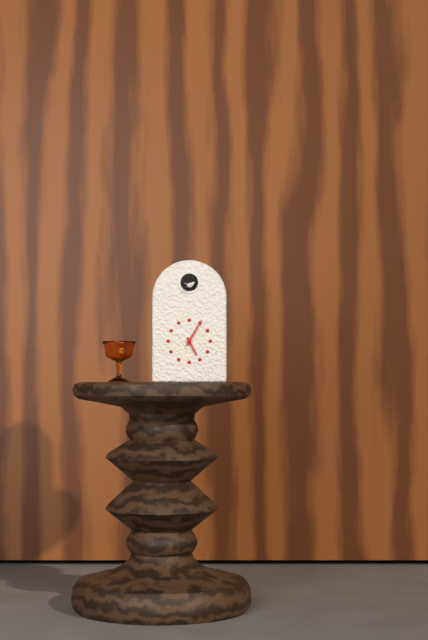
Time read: 5:05
